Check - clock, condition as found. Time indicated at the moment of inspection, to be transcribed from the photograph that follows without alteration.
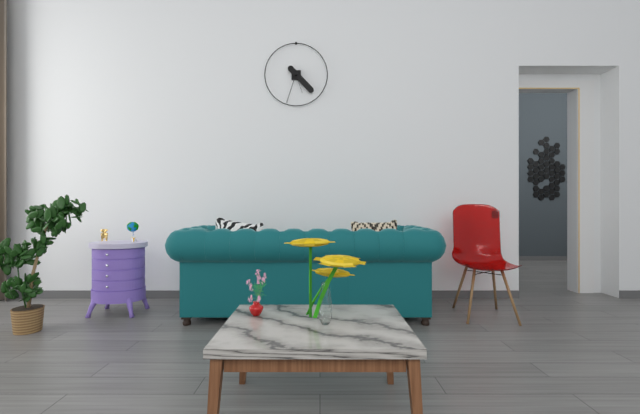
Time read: 4:33
